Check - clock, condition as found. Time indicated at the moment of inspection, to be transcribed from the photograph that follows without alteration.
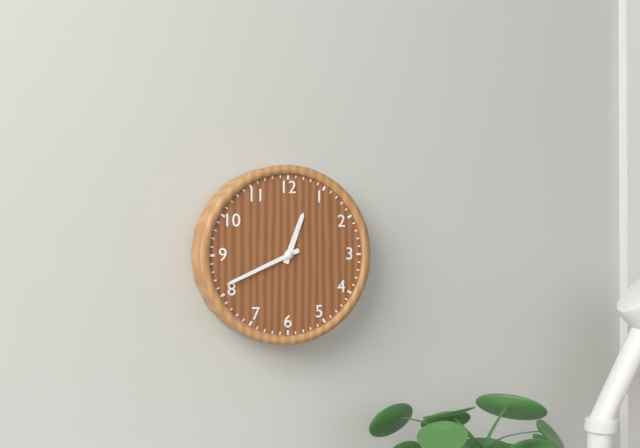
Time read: 12:41
